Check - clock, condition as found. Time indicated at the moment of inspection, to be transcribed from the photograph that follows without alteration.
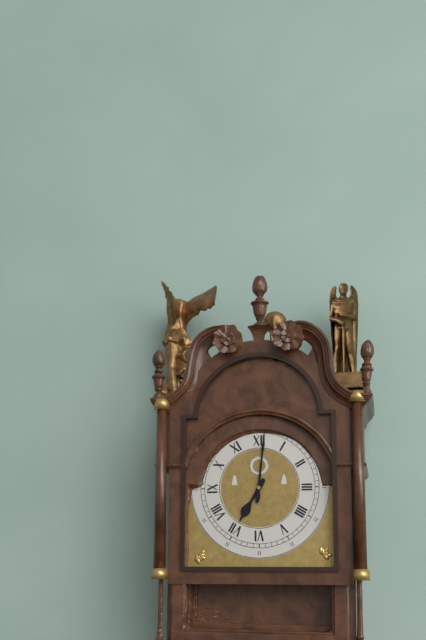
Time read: 7:01
